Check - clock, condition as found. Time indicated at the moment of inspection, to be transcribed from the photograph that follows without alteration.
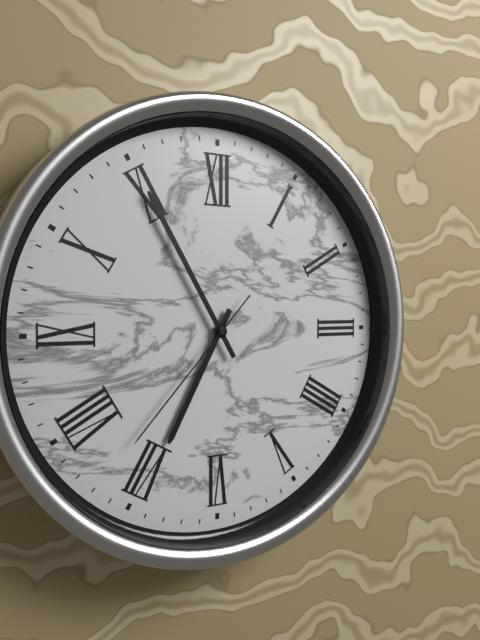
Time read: 6:55:37
